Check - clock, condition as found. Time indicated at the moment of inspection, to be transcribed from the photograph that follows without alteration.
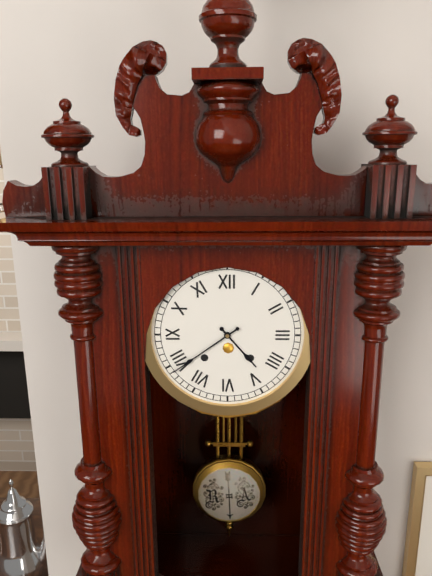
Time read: 4:39
